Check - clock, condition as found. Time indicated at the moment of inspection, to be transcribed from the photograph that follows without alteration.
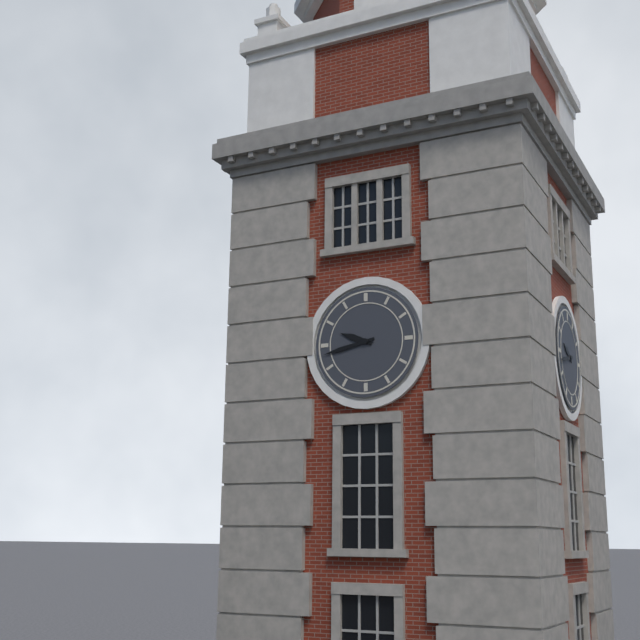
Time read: 9:43
